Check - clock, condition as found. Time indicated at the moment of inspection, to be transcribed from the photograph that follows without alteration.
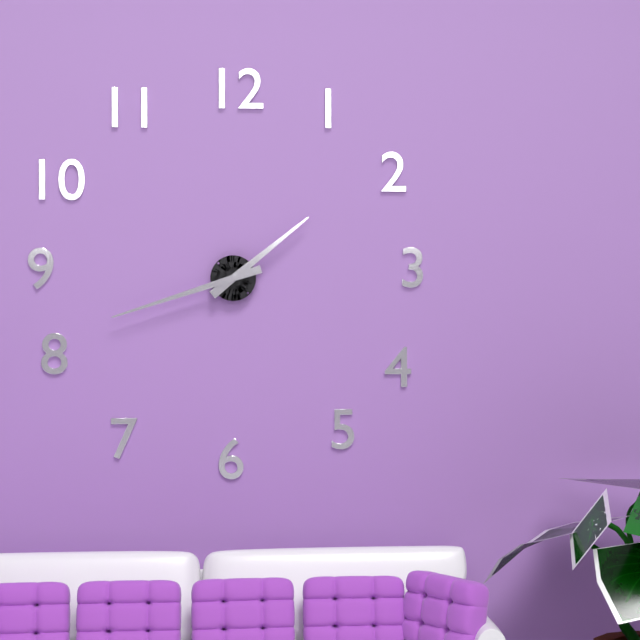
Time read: 1:42
